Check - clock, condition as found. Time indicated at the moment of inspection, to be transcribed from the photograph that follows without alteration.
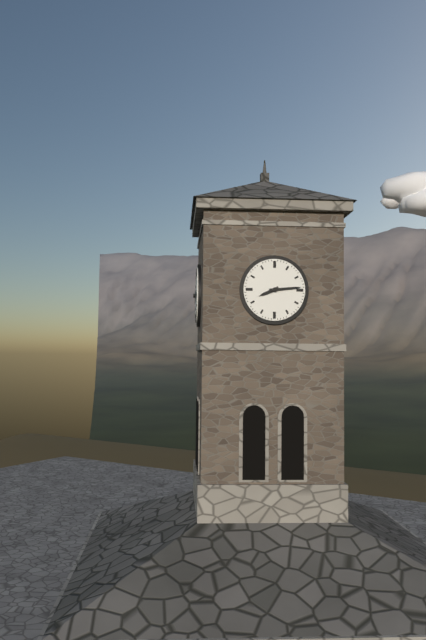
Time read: 8:14
